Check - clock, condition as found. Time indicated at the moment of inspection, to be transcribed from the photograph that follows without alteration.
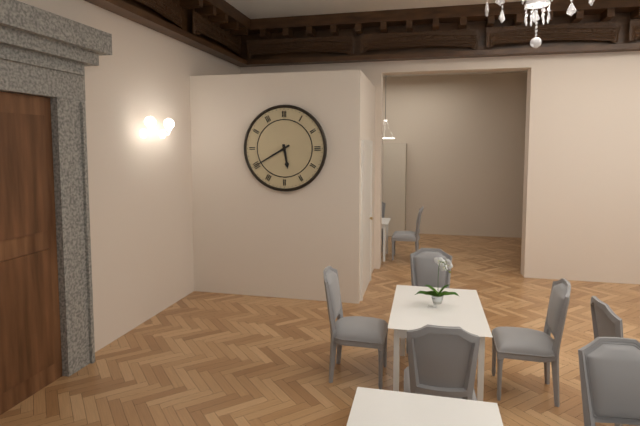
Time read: 5:40
